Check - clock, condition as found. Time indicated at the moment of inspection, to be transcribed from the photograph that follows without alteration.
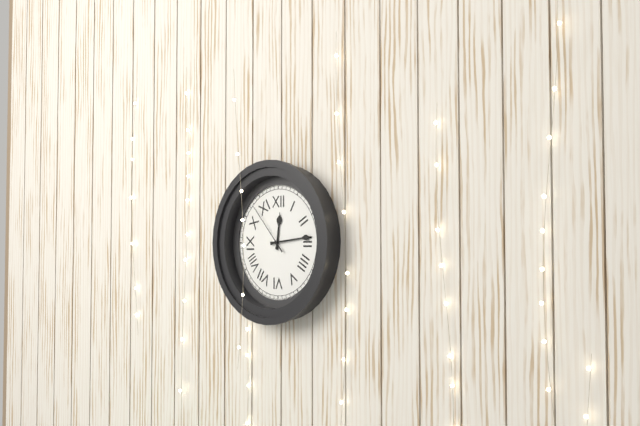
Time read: 12:14:53
